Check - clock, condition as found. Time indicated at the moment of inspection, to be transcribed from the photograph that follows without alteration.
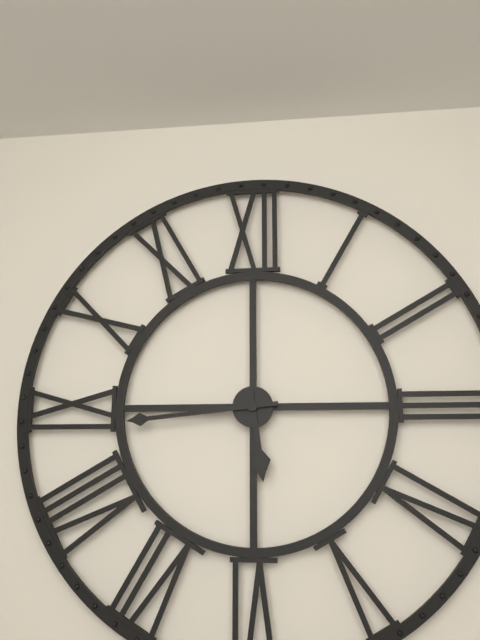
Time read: 5:44
